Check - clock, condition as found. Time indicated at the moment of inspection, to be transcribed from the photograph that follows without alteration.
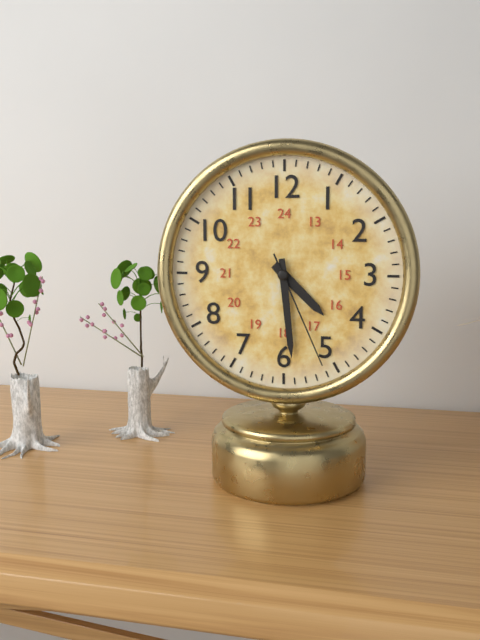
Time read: 4:29:26
